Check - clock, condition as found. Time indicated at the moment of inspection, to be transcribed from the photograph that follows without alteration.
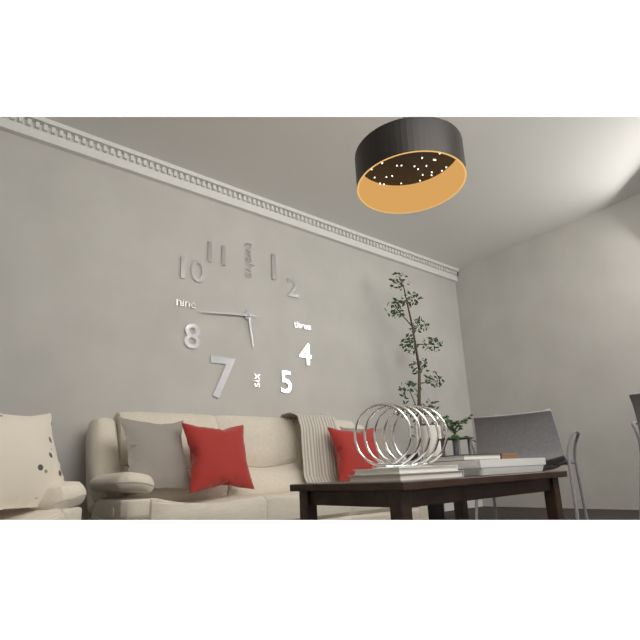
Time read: 5:44
